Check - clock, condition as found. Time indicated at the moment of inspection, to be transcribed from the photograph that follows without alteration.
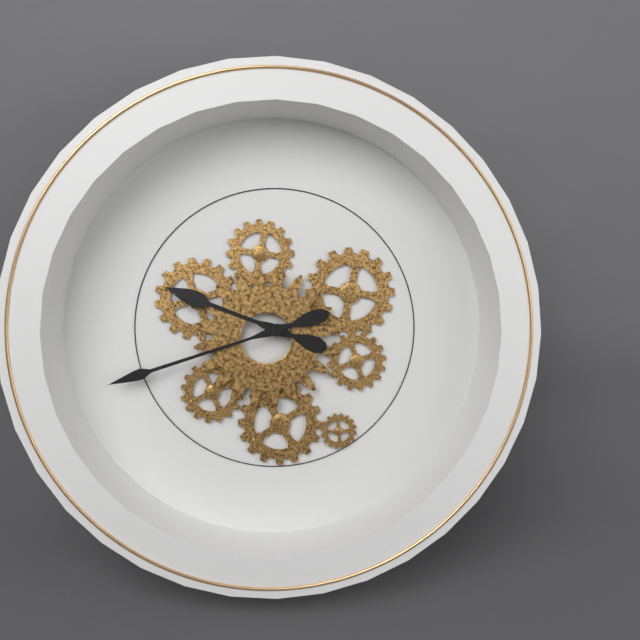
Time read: 9:42
